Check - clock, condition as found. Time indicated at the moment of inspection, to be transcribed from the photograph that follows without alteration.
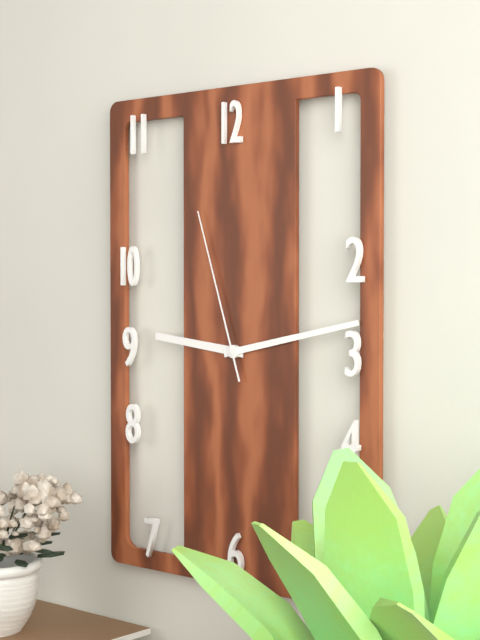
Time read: 9:13:57
